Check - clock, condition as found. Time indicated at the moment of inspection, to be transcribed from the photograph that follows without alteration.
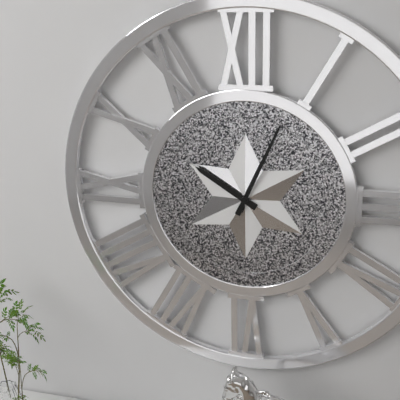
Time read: 10:04
